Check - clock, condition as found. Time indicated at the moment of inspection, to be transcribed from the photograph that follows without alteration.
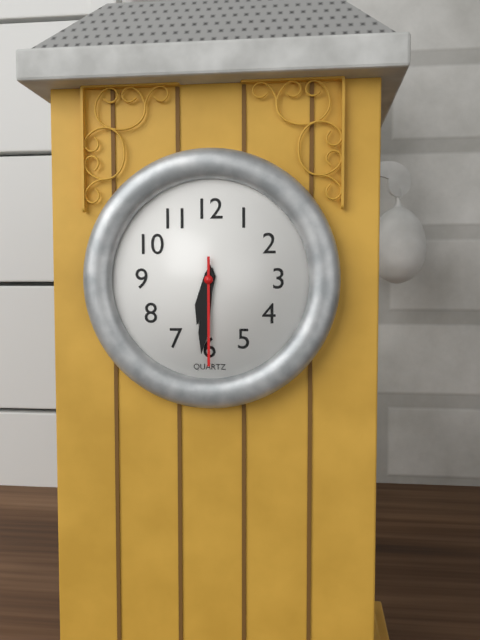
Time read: 6:31:30
